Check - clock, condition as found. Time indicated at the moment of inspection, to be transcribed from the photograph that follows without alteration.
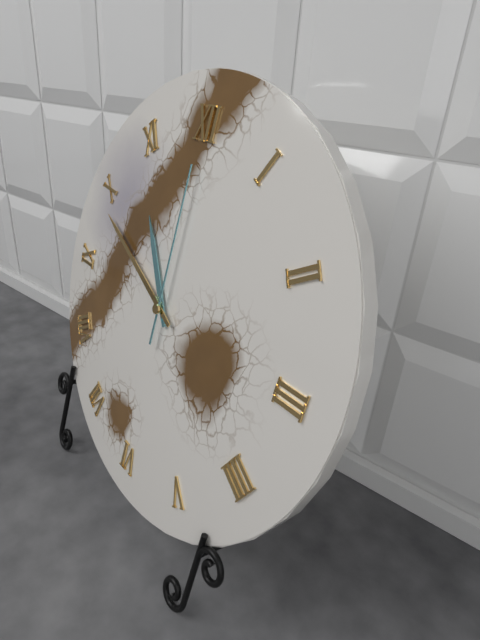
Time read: 10:49:00
